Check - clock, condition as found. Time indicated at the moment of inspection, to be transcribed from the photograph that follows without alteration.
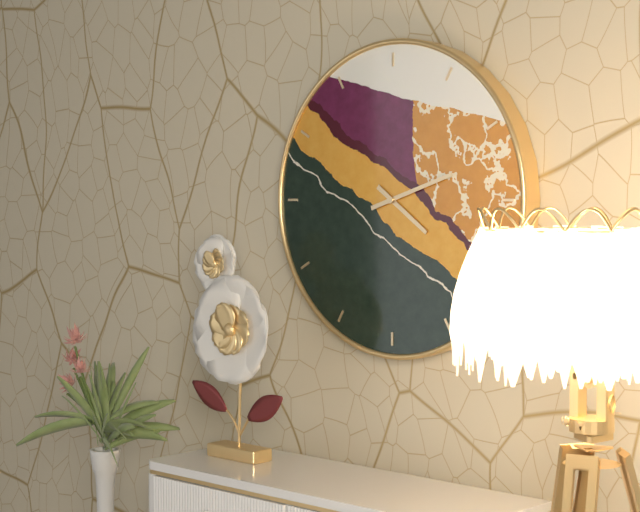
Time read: 4:12
